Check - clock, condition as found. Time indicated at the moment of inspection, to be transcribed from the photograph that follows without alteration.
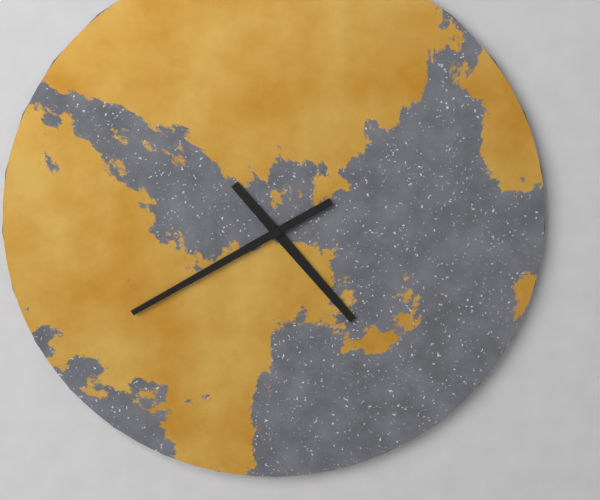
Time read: 4:40
